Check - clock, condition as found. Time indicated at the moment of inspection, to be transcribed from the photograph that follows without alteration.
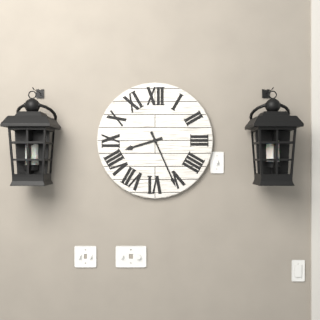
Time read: 8:26
